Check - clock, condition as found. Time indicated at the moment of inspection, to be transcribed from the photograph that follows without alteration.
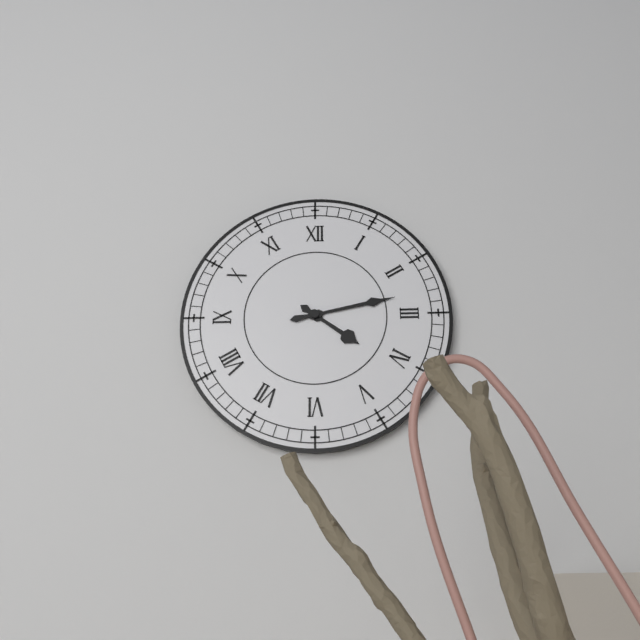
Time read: 4:13
